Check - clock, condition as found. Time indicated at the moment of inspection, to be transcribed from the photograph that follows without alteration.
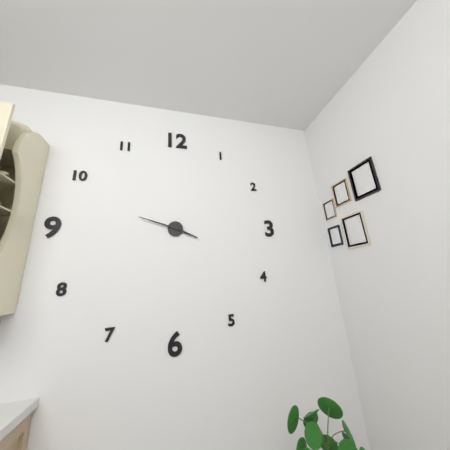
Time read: 3:48
